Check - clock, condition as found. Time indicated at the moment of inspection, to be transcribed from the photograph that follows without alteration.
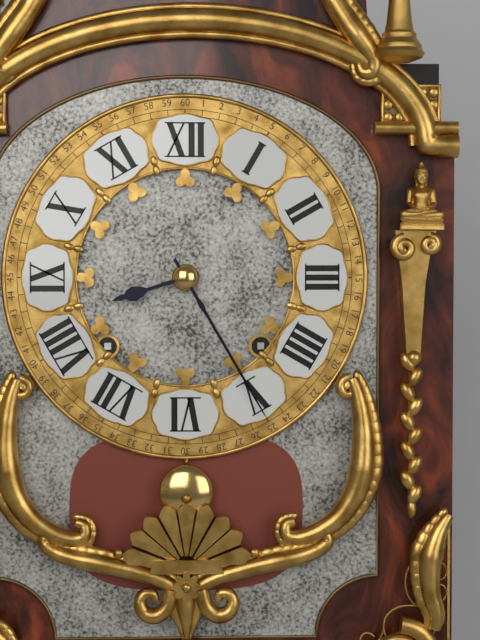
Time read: 8:25
